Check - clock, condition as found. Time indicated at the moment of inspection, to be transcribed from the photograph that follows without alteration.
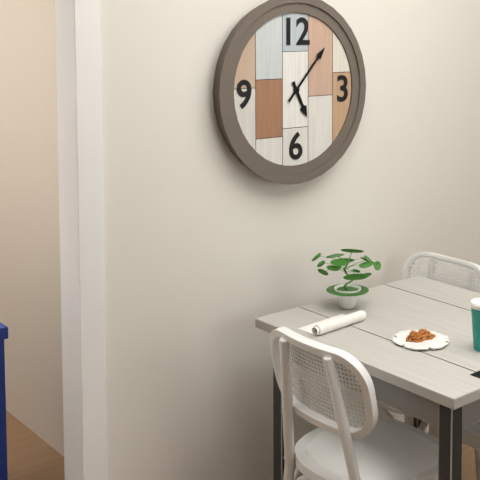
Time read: 5:07
